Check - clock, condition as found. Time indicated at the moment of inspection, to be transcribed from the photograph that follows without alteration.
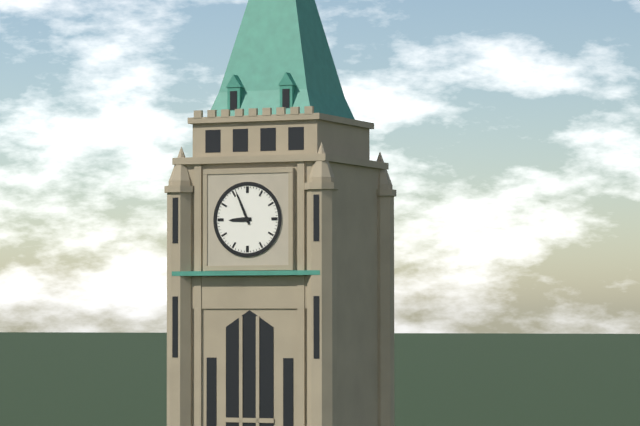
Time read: 8:56
